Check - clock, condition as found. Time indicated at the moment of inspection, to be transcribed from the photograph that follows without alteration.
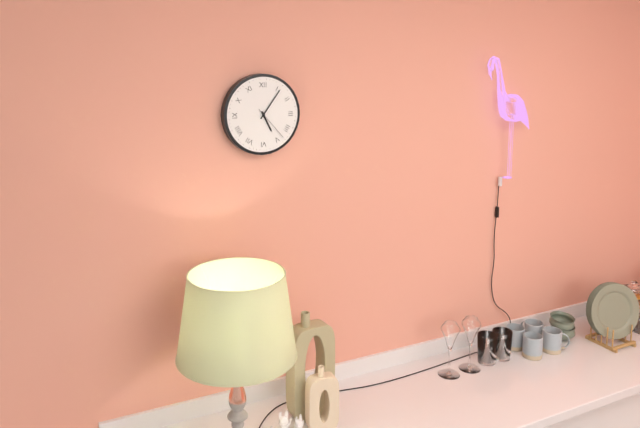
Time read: 5:06
